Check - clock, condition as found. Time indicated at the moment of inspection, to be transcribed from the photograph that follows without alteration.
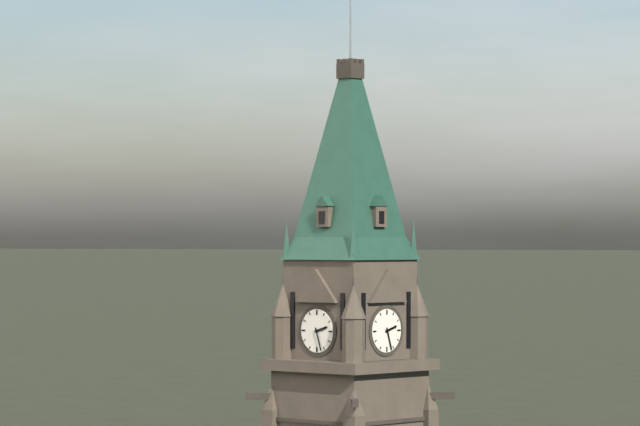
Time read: 2:27
